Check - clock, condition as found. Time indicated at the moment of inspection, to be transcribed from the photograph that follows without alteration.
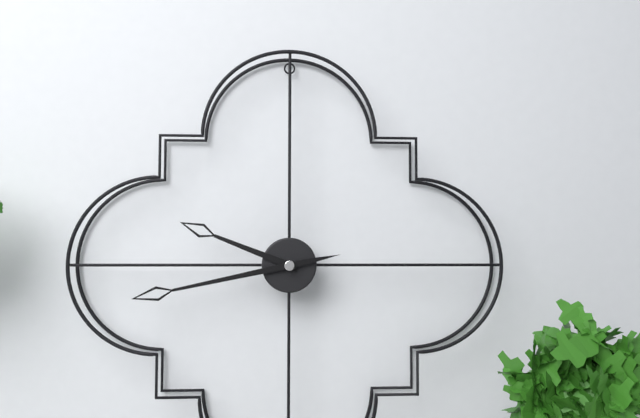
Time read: 9:43
